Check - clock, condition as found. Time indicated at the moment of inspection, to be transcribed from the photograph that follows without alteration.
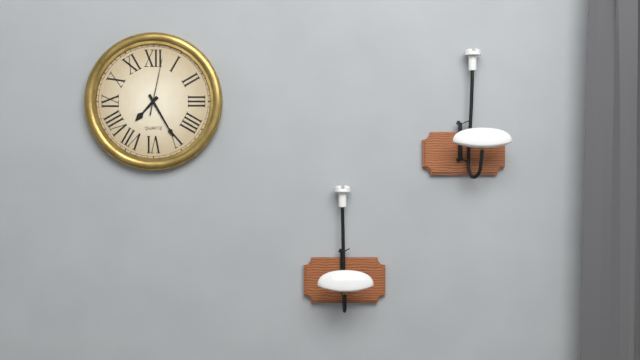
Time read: 7:25:02
